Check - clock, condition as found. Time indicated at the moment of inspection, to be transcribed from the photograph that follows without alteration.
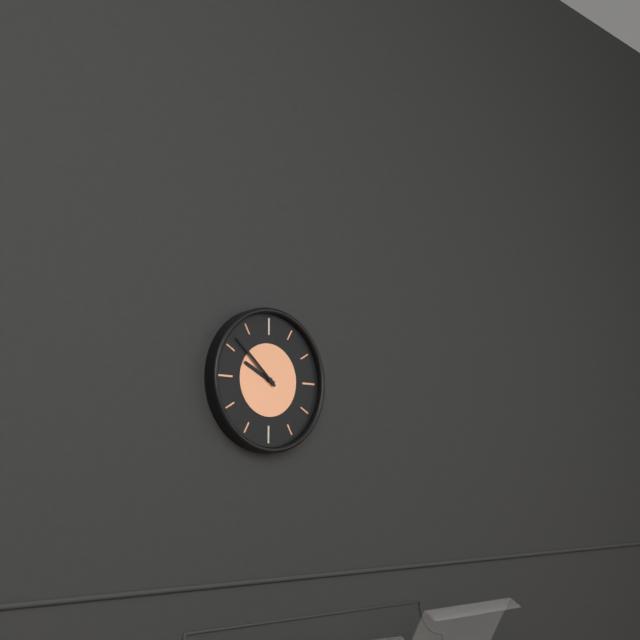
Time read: 9:52
